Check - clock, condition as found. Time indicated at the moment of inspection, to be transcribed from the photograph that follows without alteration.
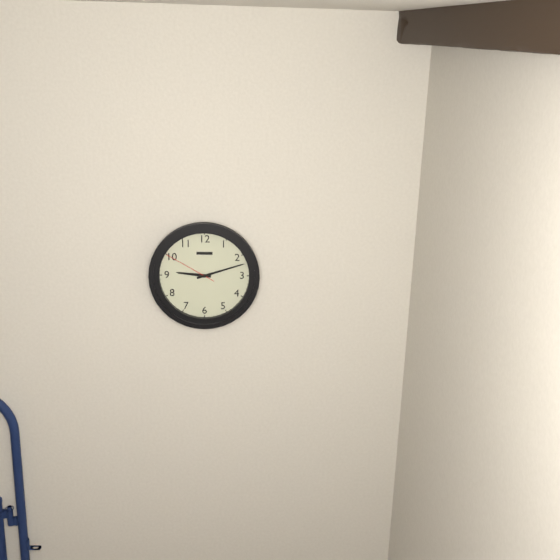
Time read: 9:12:50
